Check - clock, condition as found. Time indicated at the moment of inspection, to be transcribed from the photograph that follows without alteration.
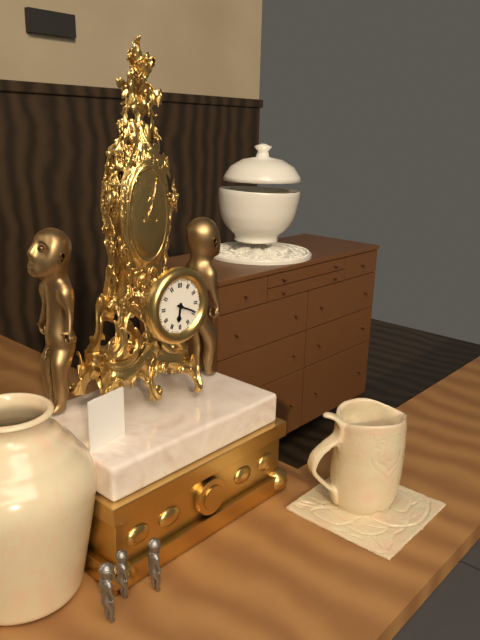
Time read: 6:19
